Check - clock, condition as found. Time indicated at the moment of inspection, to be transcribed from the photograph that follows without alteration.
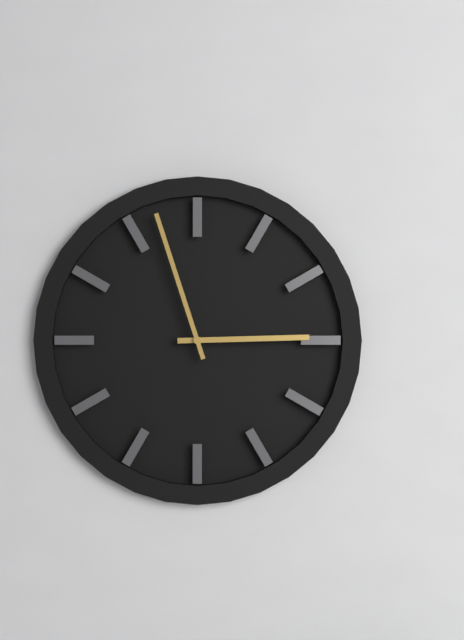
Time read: 2:57
